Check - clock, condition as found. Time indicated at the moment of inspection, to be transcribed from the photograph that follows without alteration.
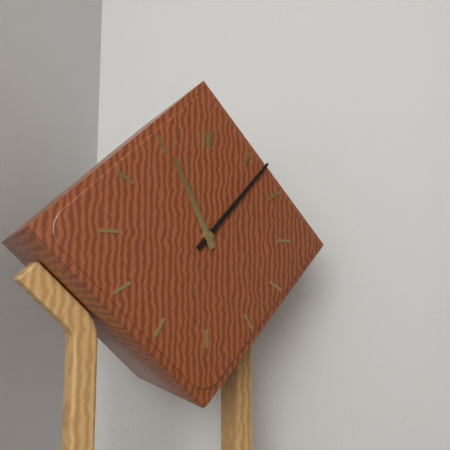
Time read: 11:07
